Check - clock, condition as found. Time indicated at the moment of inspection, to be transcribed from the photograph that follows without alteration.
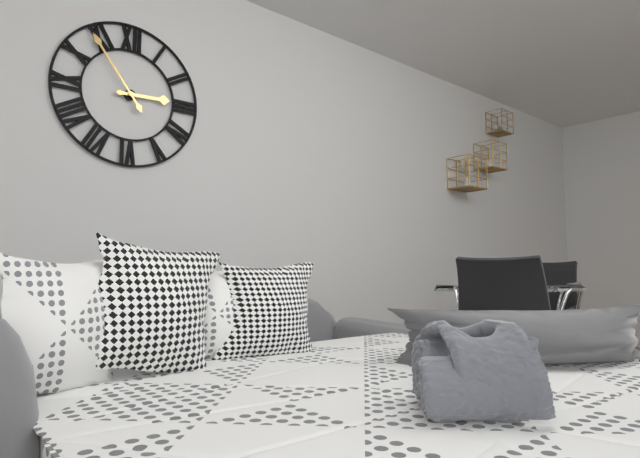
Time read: 2:54
